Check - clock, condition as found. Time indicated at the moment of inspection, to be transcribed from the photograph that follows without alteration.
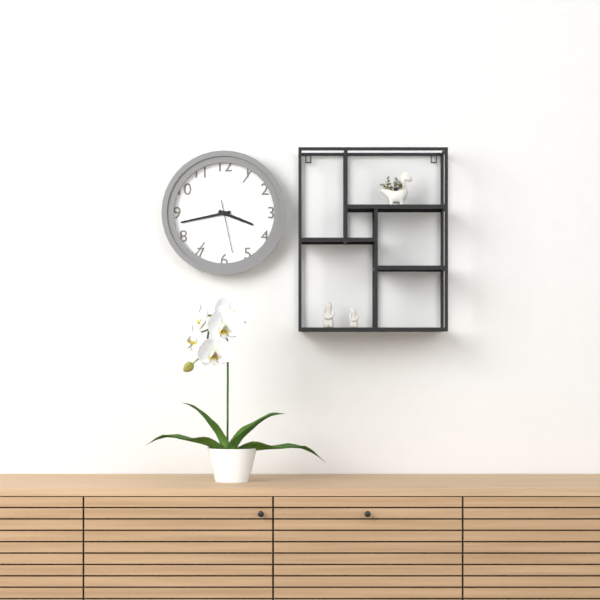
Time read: 3:43:28
